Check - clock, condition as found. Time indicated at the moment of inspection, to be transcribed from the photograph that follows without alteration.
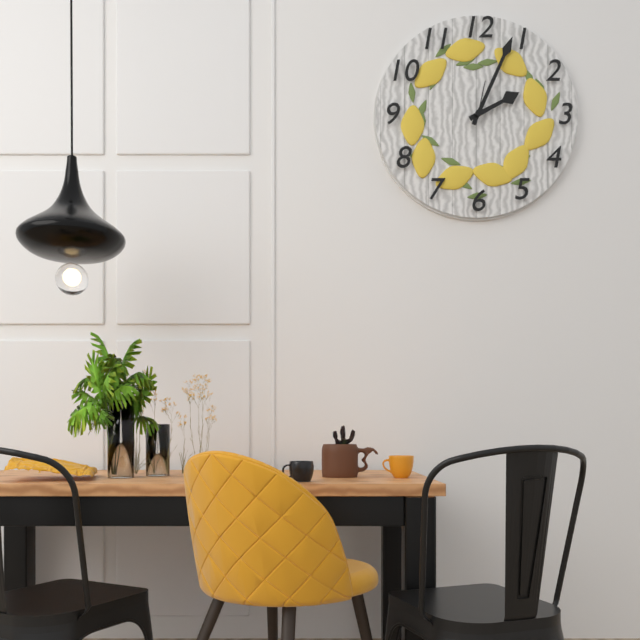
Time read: 2:04
